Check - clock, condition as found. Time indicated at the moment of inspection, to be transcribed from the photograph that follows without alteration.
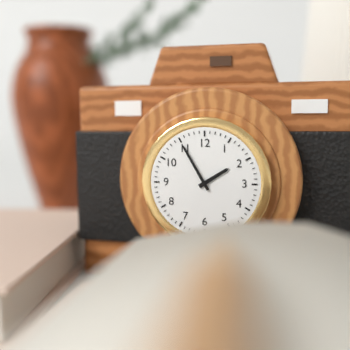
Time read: 1:55
